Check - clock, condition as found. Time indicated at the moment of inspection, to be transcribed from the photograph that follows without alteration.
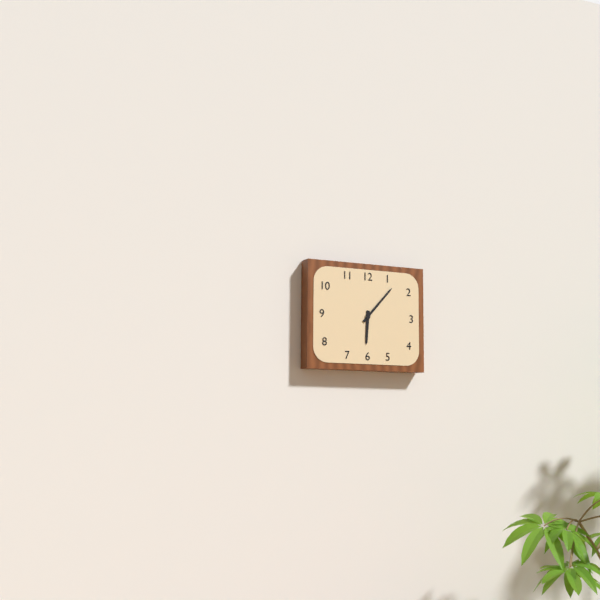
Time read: 6:07
